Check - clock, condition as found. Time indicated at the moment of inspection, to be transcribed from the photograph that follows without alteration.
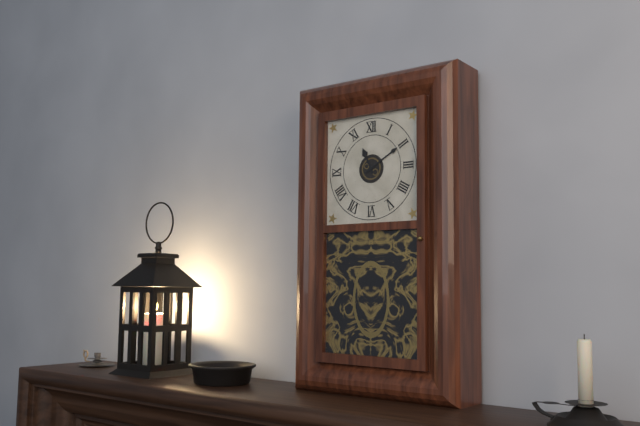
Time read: 11:10
